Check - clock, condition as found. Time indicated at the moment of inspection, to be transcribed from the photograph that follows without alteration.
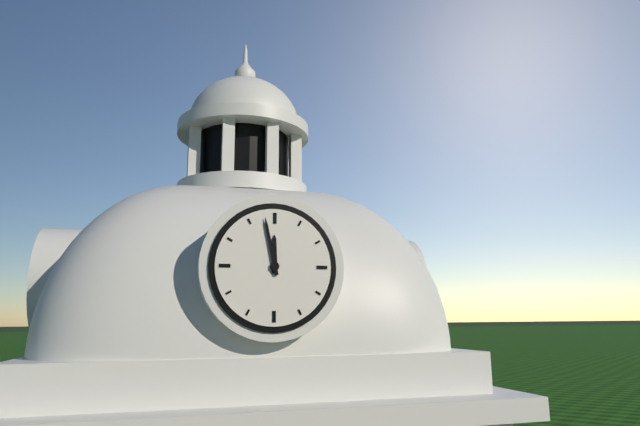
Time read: 11:58
